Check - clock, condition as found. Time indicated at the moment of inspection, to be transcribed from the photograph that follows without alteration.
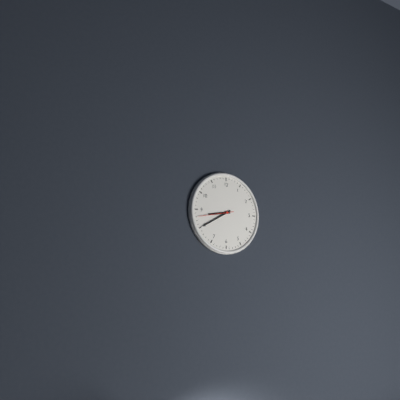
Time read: 8:40
